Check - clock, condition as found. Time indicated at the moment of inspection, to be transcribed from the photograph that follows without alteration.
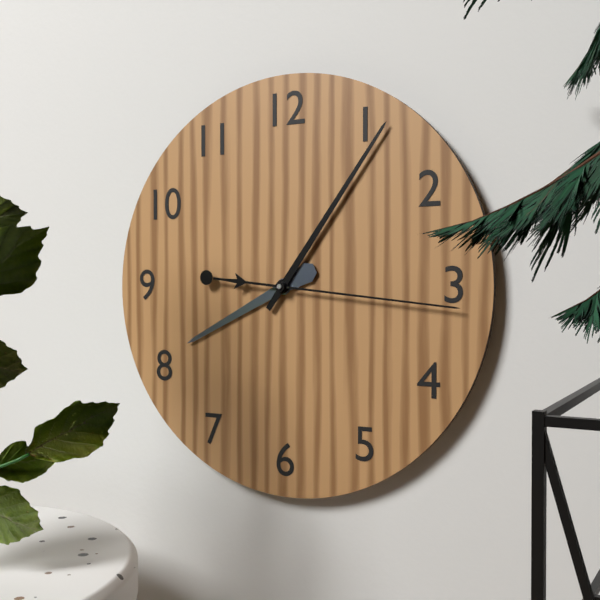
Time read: 8:06:16
